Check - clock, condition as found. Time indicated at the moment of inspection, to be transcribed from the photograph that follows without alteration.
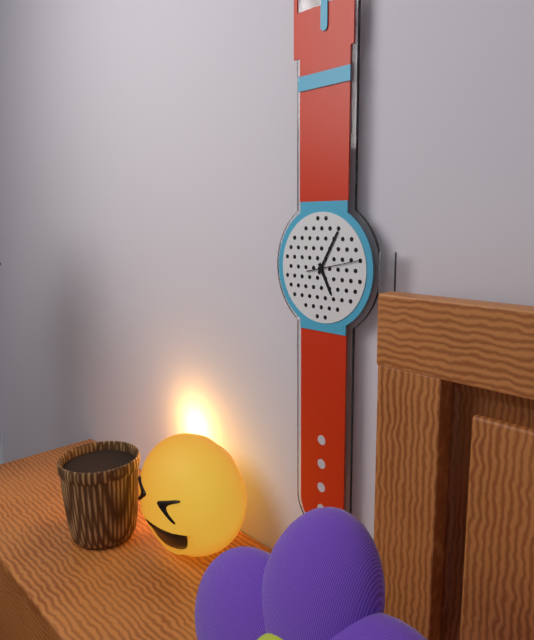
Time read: 5:05
